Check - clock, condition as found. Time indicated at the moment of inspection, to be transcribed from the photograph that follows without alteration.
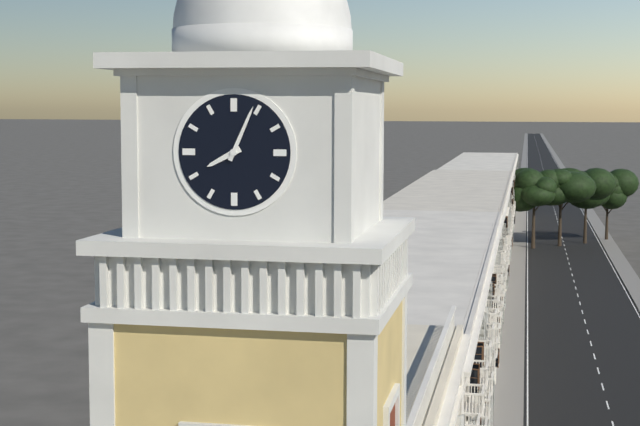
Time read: 8:04
